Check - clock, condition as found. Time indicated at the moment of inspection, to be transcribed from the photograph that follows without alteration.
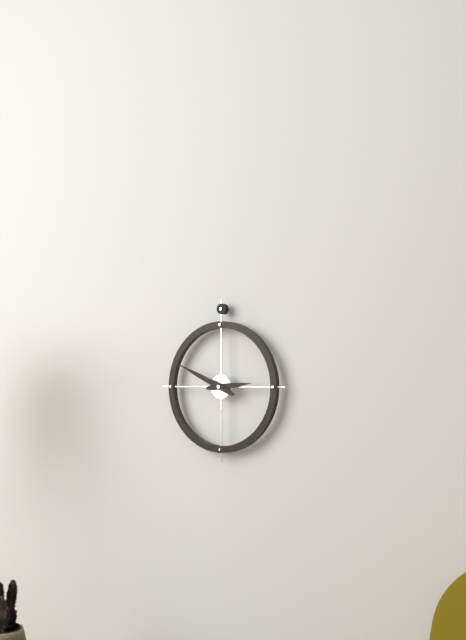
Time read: 2:49
